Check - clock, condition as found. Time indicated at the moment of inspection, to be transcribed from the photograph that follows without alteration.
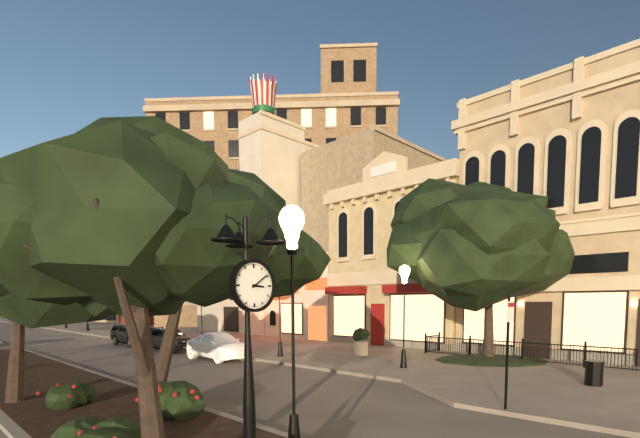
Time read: 3:09
